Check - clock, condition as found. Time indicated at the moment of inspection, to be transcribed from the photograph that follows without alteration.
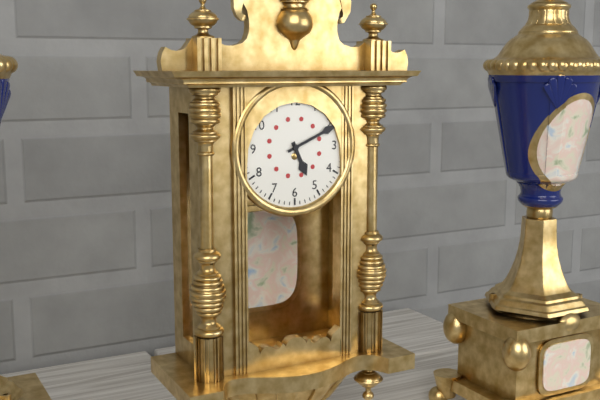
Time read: 5:11
